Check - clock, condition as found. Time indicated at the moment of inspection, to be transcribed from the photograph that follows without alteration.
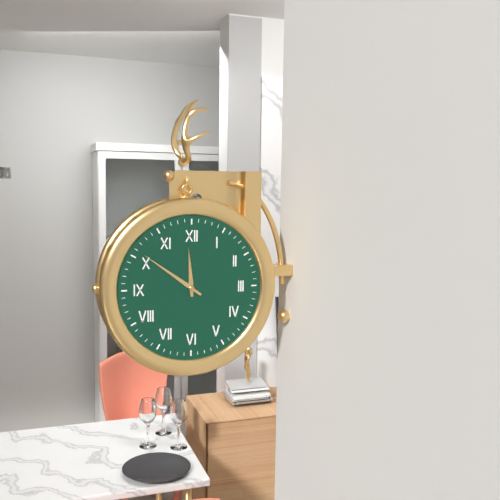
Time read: 11:51
